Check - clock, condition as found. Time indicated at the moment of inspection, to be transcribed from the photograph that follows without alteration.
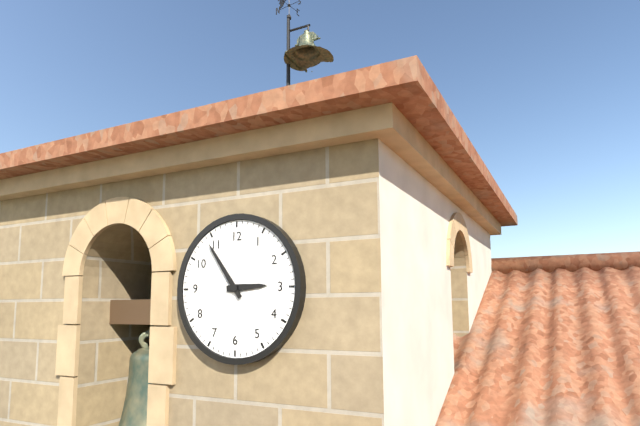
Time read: 2:54
